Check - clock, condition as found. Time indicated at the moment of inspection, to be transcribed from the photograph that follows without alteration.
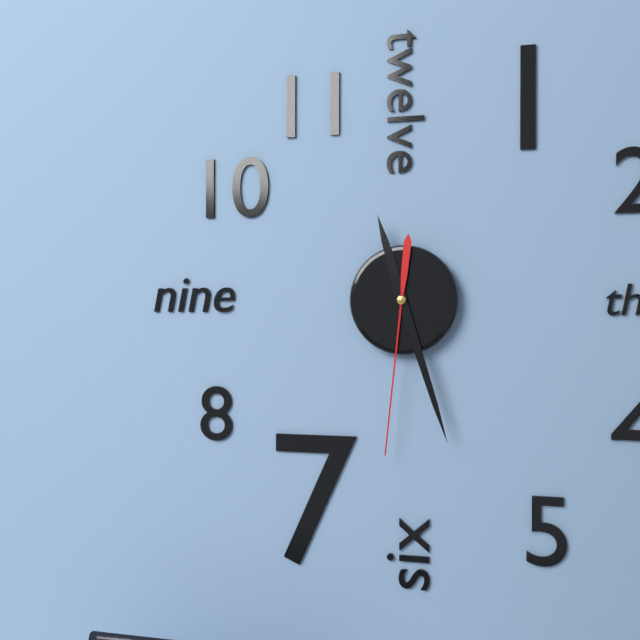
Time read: 11:27:31
